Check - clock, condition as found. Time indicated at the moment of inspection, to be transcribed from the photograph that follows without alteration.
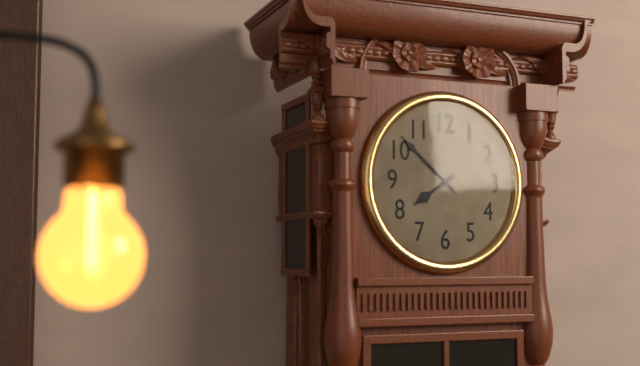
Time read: 7:52
